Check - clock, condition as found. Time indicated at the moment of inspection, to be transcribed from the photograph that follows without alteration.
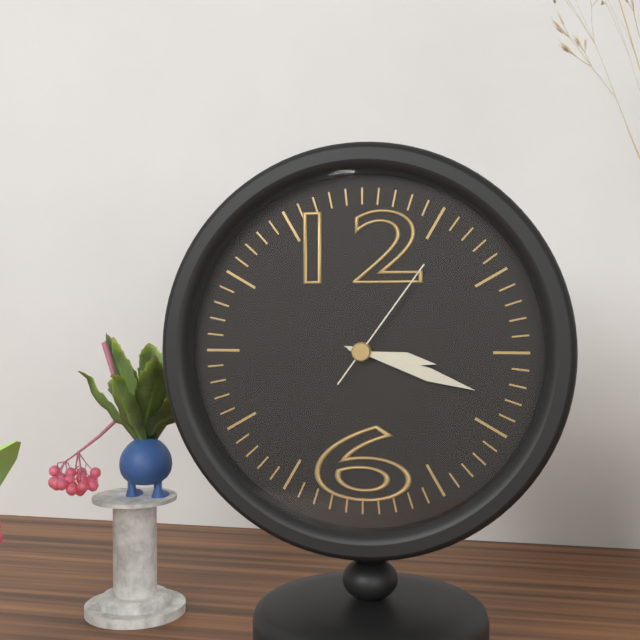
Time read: 3:18:06
